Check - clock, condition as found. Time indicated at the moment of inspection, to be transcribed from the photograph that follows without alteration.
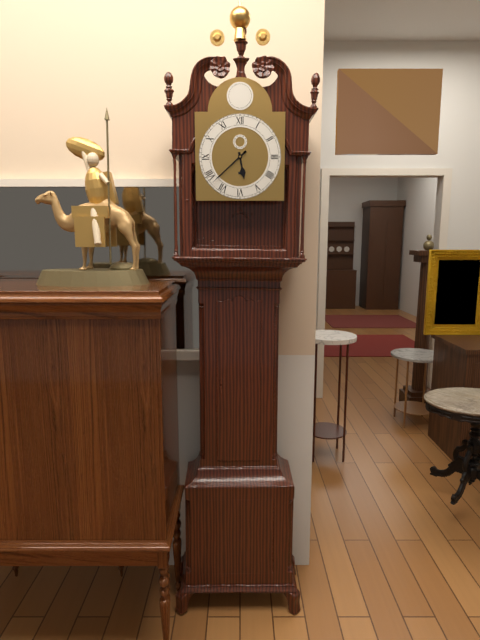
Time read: 5:38
